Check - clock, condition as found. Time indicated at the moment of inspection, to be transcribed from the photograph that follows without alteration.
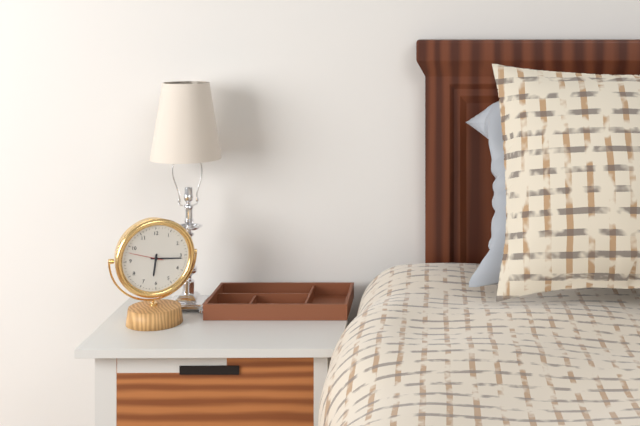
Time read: 6:16
